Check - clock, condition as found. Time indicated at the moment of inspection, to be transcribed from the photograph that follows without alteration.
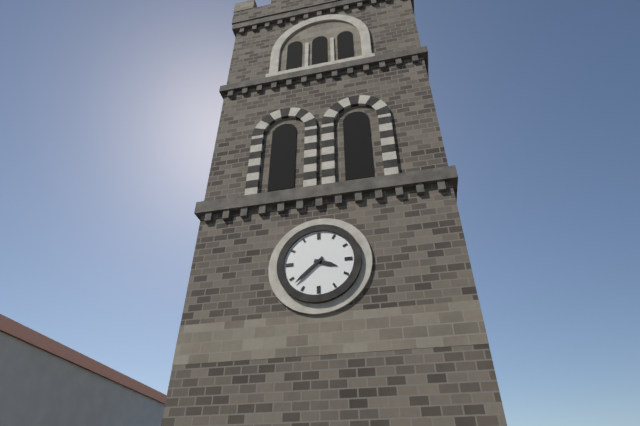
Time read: 3:38
